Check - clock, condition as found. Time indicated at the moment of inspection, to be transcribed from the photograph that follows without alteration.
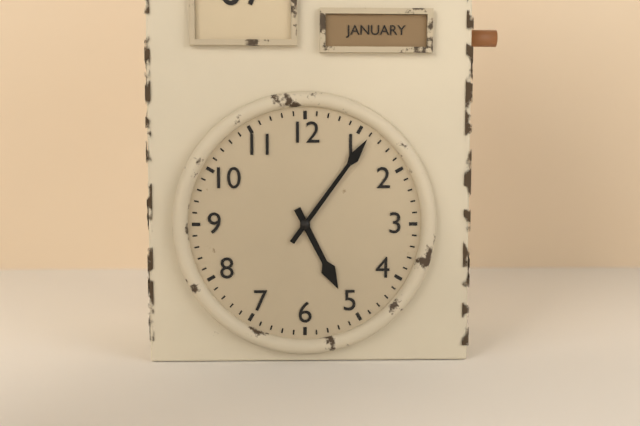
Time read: 5:06
